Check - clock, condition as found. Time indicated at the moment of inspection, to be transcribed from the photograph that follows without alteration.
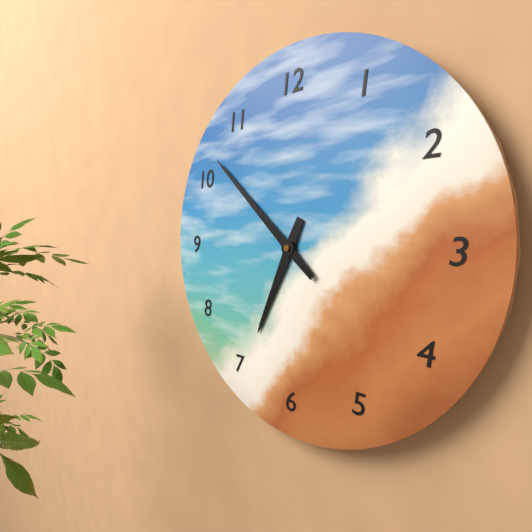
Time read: 6:52
